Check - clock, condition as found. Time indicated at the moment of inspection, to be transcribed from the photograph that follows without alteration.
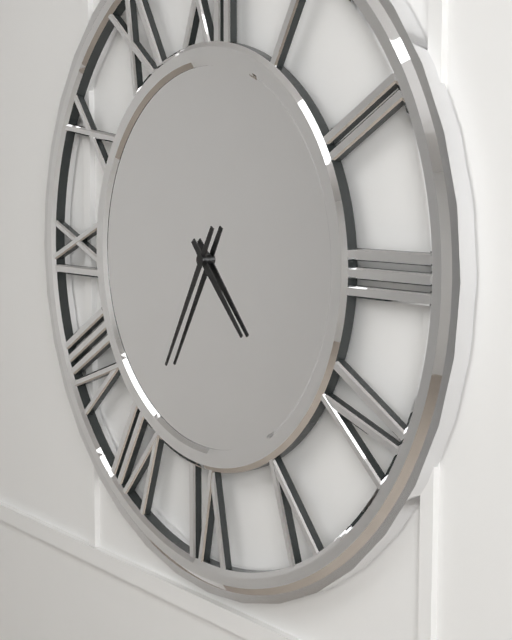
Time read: 4:35
